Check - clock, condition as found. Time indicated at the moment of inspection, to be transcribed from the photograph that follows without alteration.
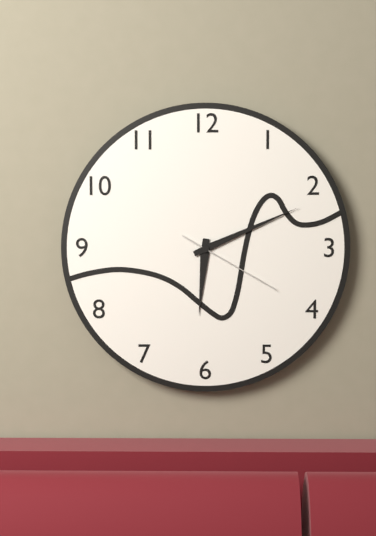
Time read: 6:11:20
